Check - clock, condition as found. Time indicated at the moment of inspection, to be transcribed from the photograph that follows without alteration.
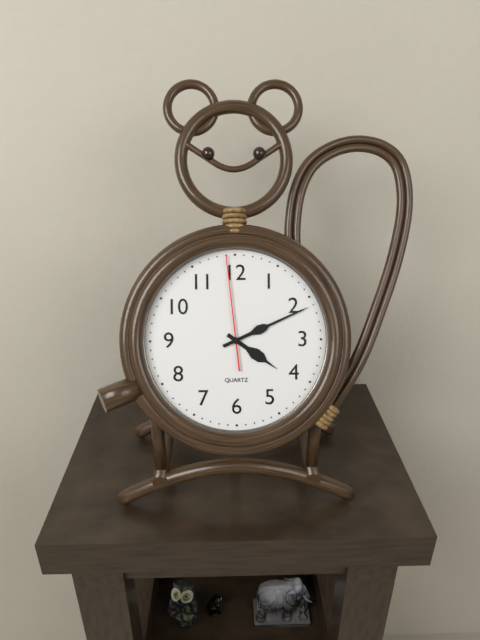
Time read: 4:11:59
